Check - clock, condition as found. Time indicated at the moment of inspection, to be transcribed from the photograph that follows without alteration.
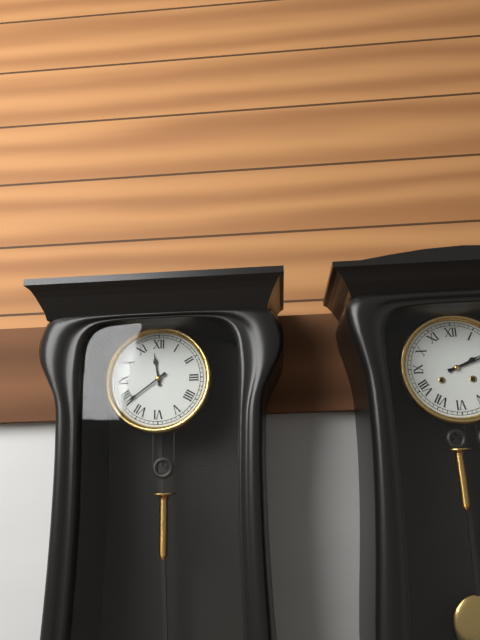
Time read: 11:39
